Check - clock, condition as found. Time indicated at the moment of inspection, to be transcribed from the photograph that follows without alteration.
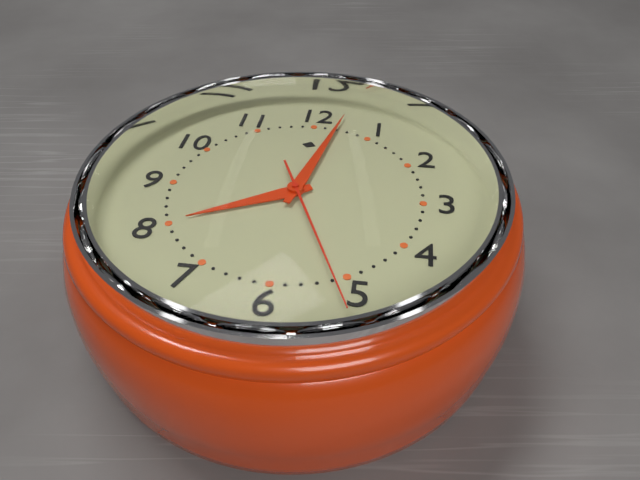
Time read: 8:02:26
